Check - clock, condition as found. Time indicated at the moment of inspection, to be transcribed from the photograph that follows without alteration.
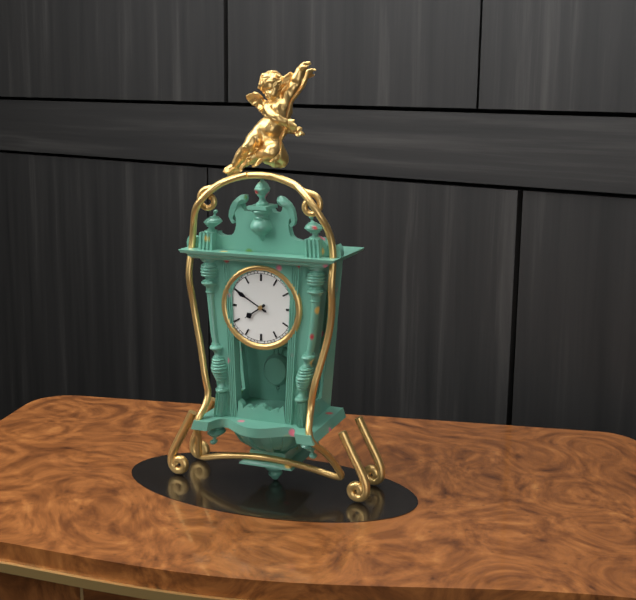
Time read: 7:50
